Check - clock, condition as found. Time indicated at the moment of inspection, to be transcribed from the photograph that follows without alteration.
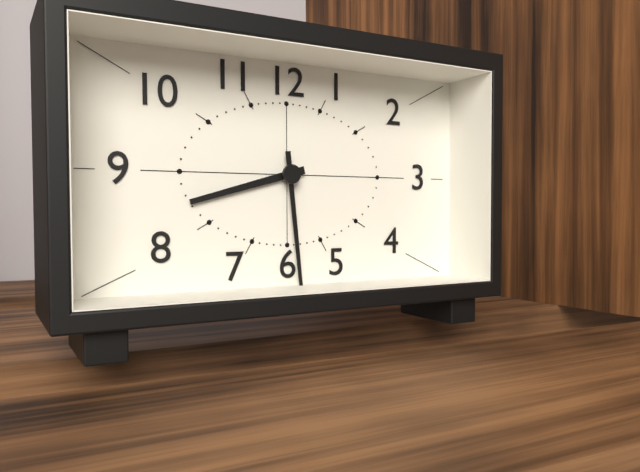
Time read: 8:29
